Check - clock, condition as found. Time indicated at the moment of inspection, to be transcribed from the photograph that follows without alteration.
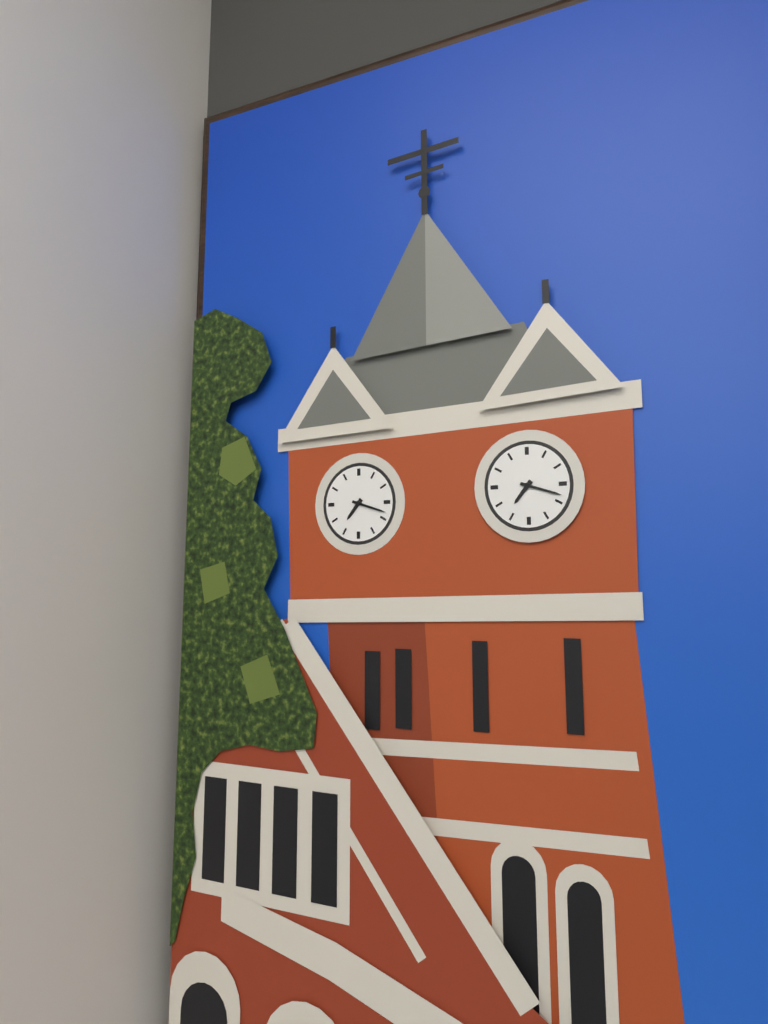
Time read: 7:18
